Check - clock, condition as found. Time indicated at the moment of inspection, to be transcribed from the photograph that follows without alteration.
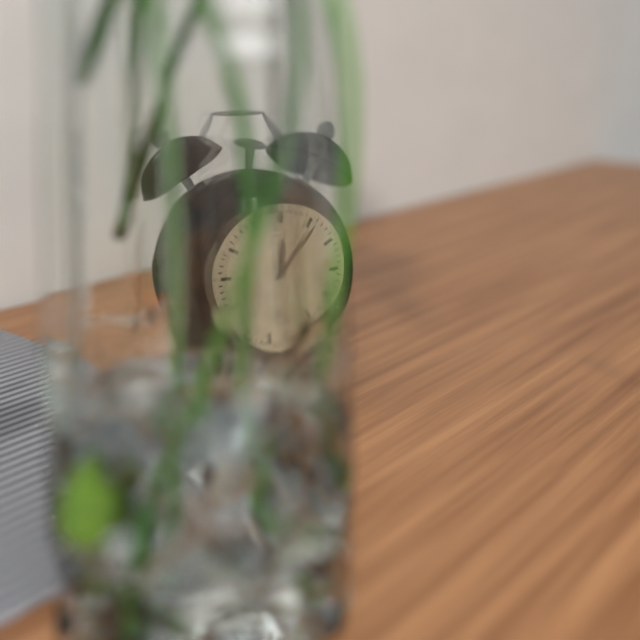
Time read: 12:06
